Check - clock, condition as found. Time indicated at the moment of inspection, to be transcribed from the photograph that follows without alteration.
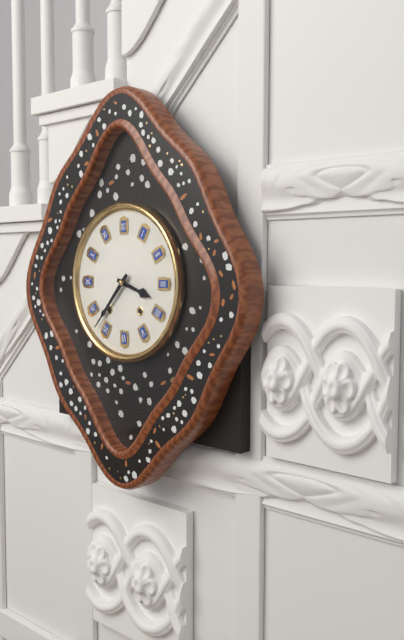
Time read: 3:37
